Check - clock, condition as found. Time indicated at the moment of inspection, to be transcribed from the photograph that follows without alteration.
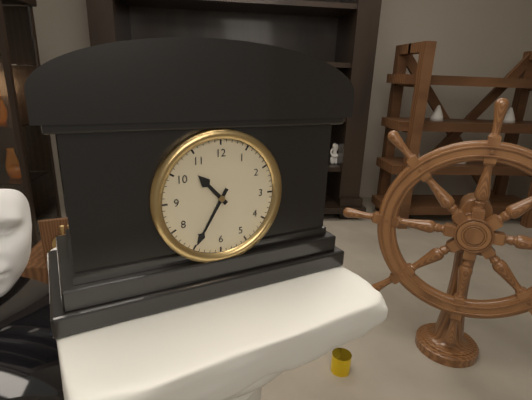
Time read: 10:35
